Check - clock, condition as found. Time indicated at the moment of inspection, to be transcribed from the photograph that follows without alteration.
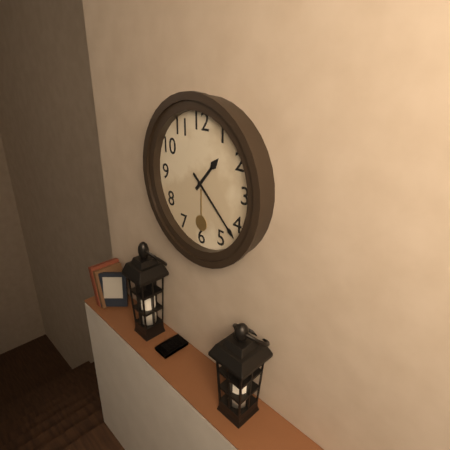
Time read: 1:22
